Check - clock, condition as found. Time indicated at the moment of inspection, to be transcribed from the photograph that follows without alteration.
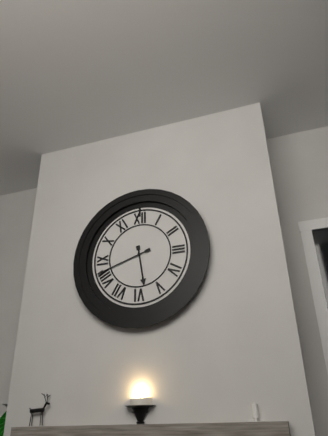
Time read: 5:42
